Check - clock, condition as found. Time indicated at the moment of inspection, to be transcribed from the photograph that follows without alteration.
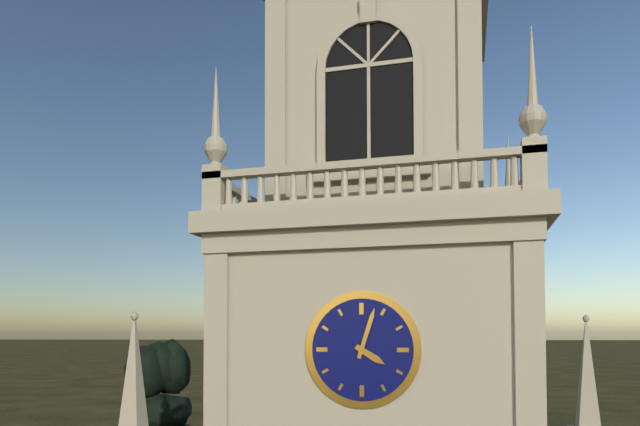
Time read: 4:03
